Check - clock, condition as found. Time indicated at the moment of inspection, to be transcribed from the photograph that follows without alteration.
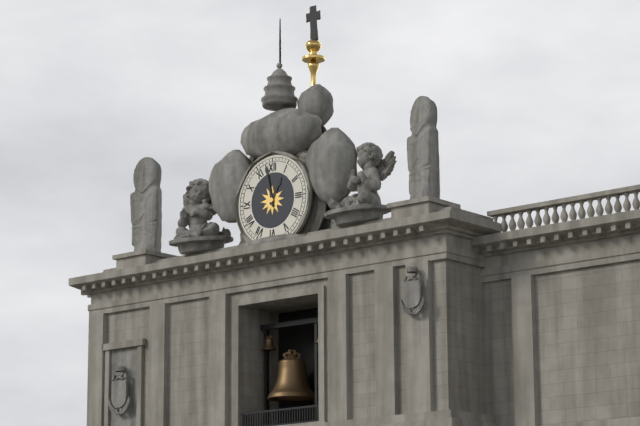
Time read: 12:58
